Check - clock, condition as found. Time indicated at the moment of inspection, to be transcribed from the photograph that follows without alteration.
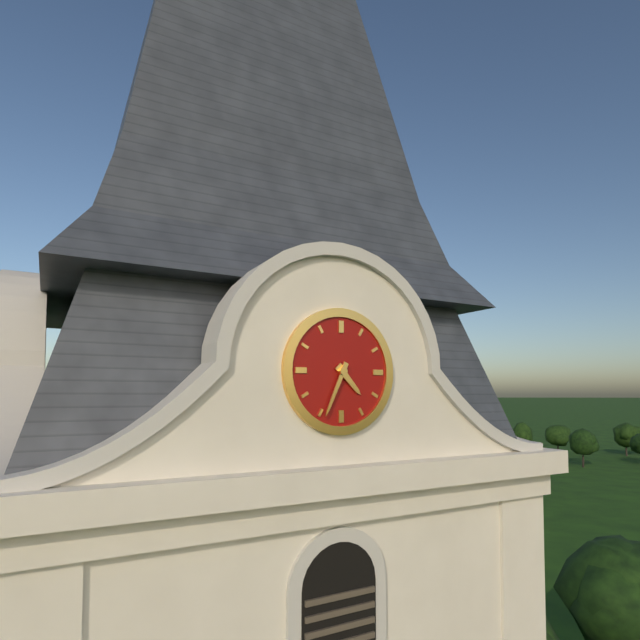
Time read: 4:34
